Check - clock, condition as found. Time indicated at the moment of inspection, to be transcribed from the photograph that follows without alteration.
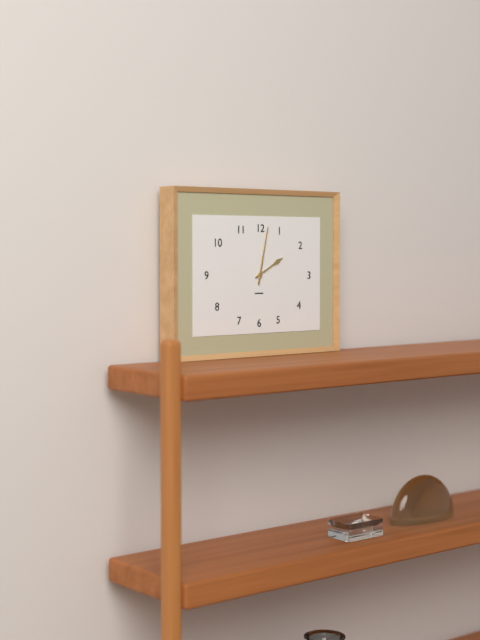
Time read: 2:02
